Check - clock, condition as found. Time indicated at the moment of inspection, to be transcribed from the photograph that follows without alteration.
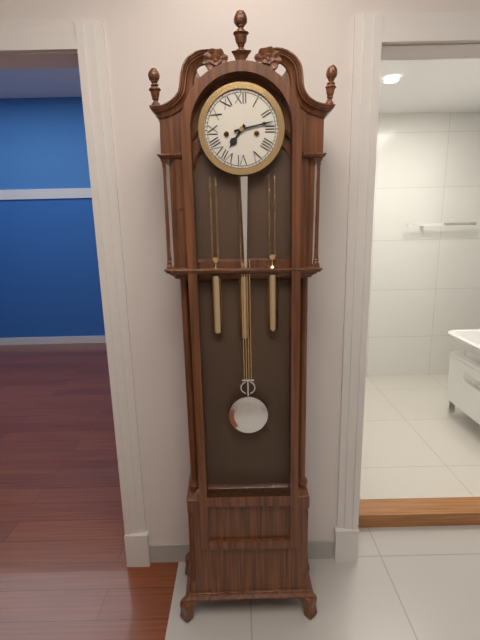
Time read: 7:13
